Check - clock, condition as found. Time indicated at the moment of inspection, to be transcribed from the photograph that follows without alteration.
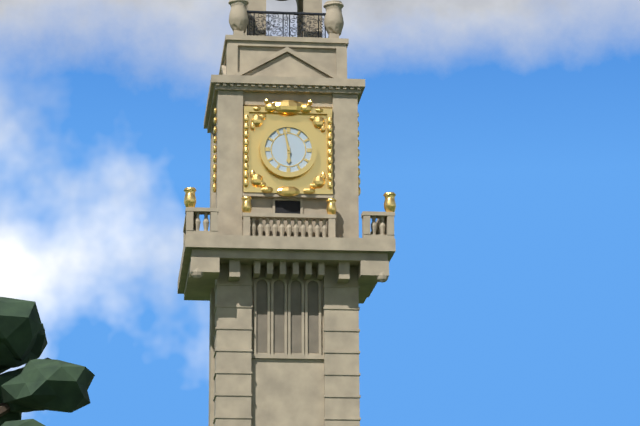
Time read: 5:58
